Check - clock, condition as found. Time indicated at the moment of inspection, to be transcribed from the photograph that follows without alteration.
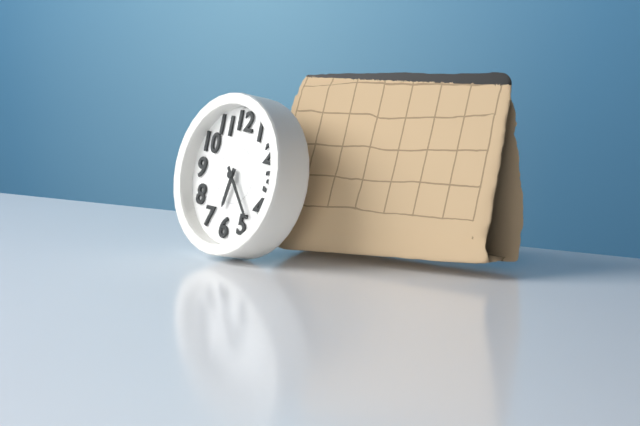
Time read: 6:23
